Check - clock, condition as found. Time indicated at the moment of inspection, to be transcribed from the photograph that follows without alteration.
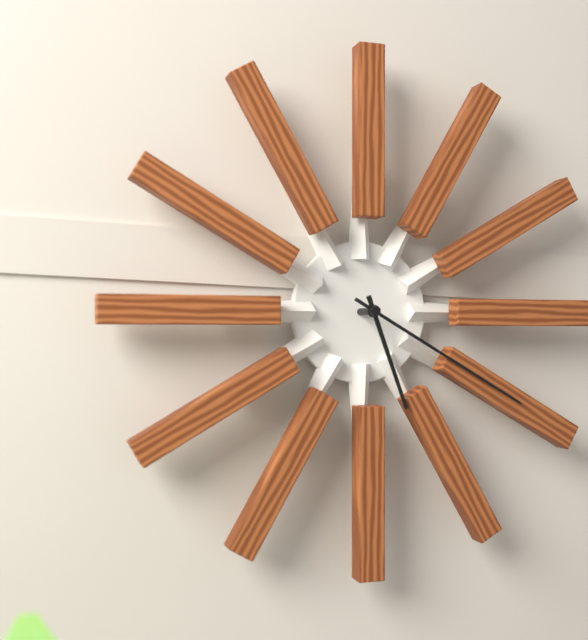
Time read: 5:20
